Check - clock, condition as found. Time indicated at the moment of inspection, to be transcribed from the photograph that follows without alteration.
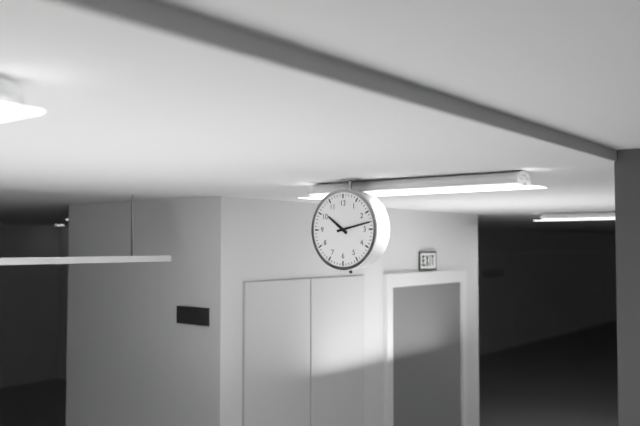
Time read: 10:13
